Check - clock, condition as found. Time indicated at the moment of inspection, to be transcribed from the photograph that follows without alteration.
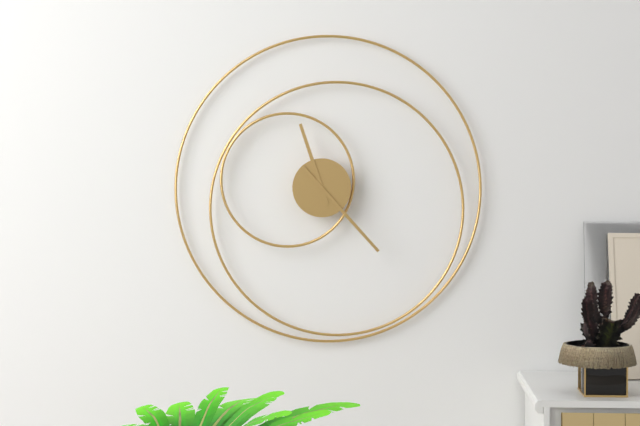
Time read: 11:23
